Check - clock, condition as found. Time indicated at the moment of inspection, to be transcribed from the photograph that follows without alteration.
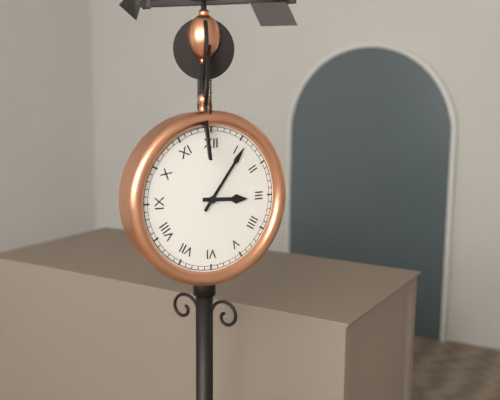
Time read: 3:06
